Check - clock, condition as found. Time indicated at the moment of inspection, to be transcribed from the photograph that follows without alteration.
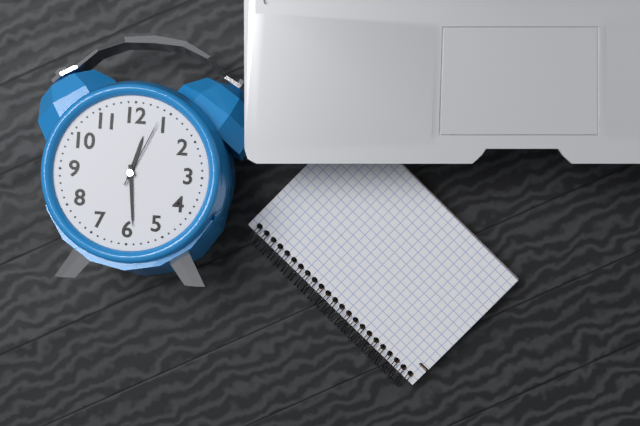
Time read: 12:29:04
